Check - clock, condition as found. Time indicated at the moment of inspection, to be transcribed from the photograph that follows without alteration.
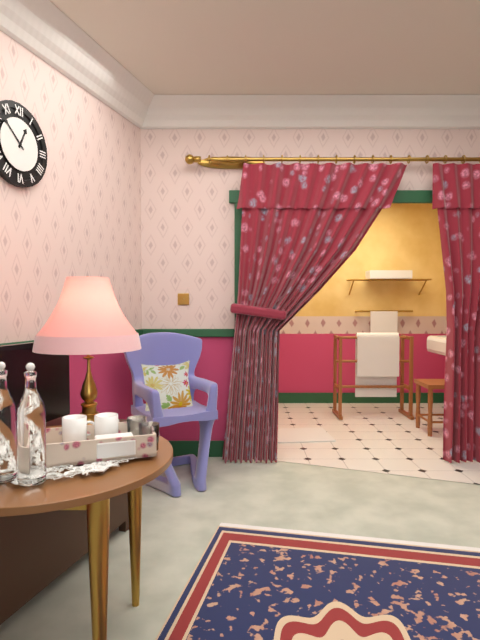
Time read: 12:52
